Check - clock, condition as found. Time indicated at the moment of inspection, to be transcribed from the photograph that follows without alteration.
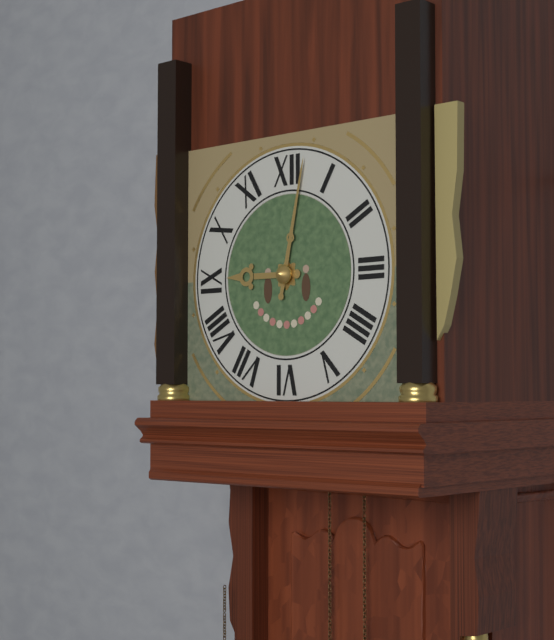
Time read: 9:02
